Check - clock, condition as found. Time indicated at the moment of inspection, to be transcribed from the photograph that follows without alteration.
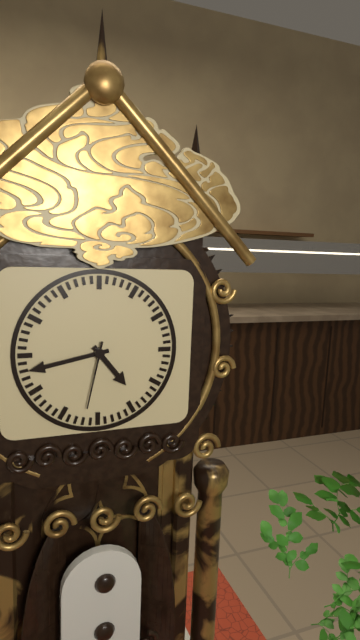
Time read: 4:43:32
